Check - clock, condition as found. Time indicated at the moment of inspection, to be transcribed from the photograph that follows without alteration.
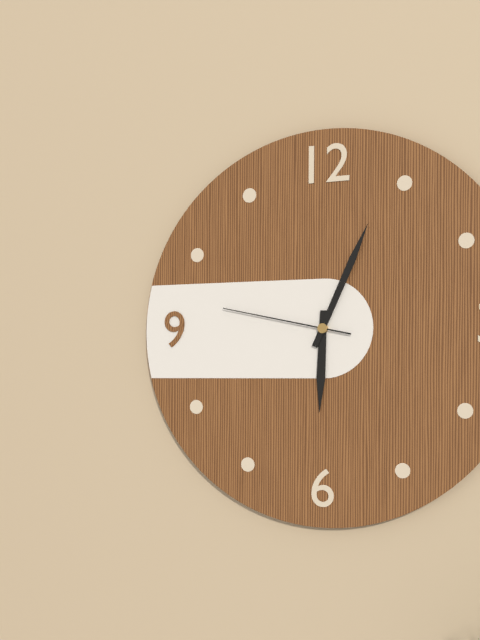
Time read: 6:04:47
